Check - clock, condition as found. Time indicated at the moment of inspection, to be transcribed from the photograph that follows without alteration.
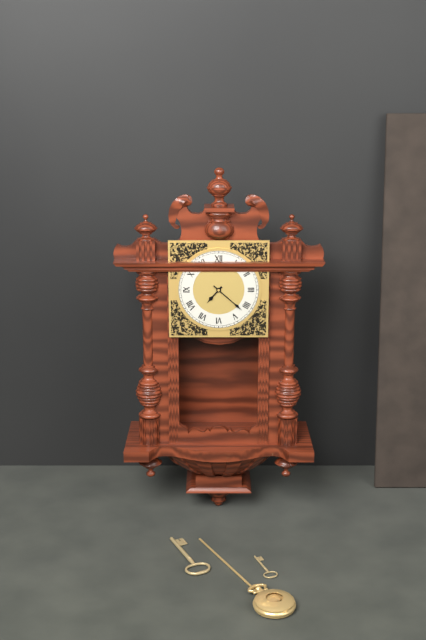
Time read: 7:22
